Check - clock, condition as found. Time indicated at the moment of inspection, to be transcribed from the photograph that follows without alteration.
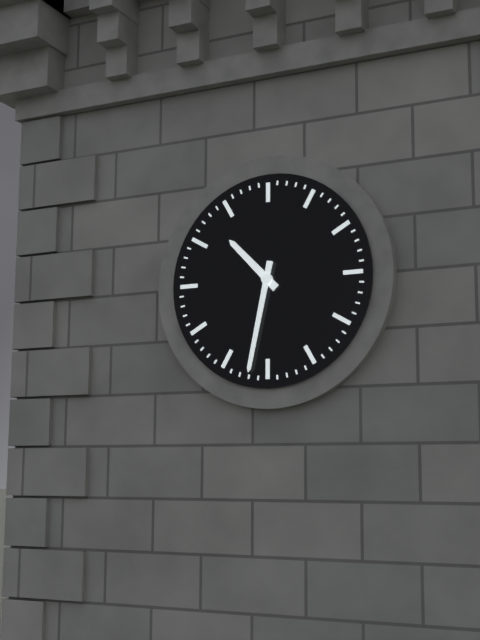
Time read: 10:32
